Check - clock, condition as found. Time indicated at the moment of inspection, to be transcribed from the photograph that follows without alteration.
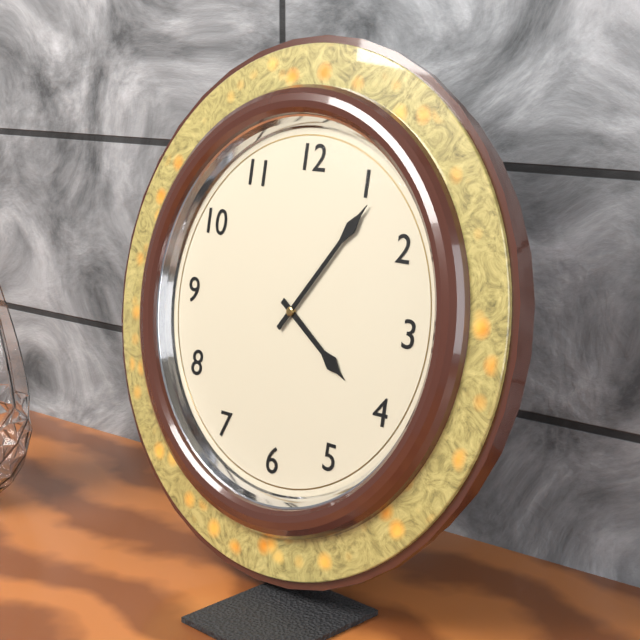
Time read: 4:06
